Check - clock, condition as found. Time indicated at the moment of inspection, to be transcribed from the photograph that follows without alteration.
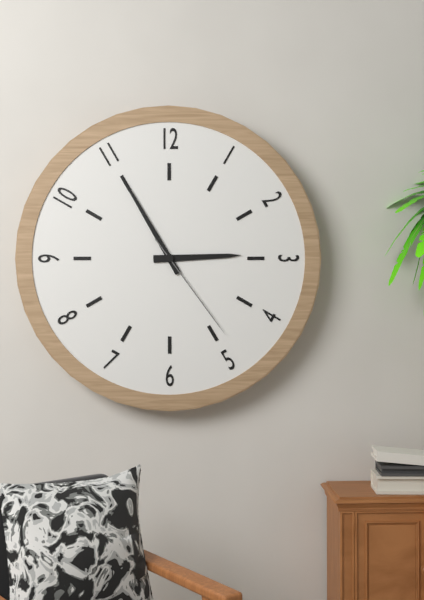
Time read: 2:55:24
